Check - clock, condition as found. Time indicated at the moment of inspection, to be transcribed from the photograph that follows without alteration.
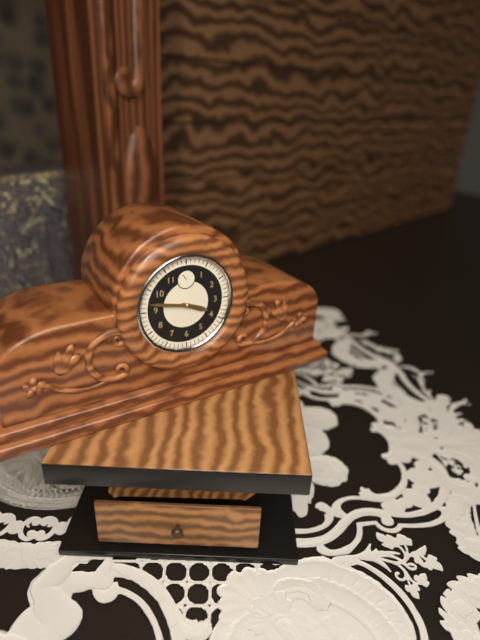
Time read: 3:47
